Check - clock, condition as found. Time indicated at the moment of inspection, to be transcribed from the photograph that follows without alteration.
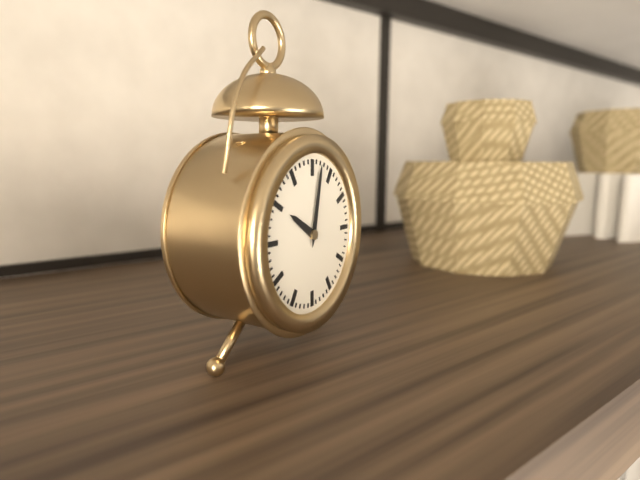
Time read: 10:02
